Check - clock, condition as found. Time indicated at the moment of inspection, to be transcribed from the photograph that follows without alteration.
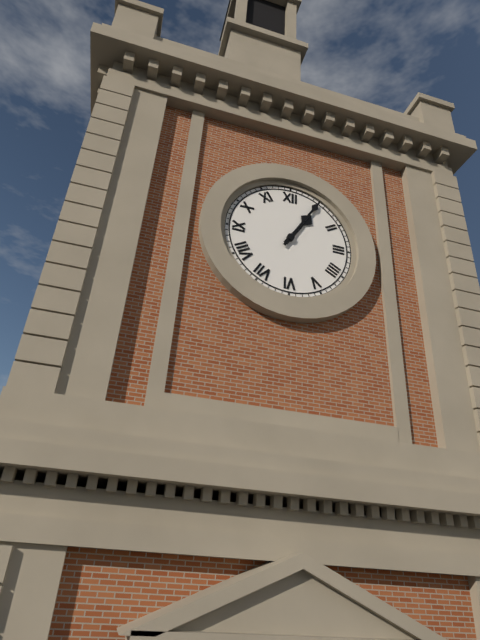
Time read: 1:05
